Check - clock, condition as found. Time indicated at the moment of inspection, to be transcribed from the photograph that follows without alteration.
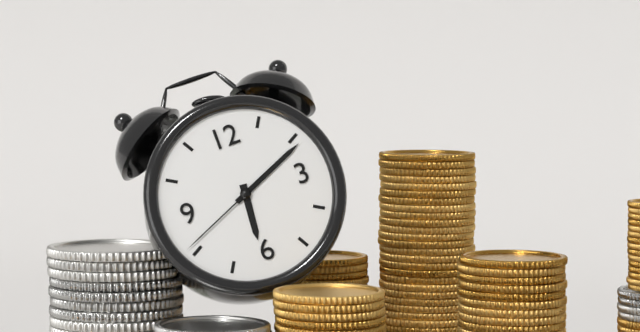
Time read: 6:11:41
